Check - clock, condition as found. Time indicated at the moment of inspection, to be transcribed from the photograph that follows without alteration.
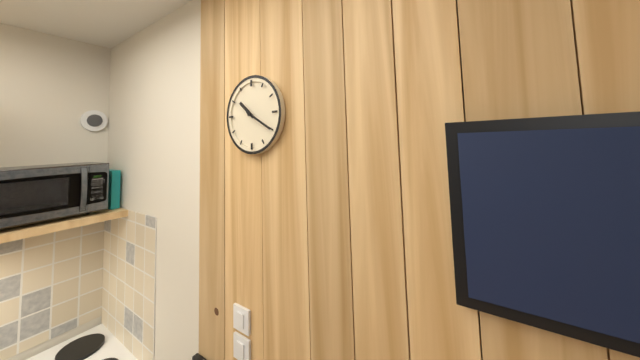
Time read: 10:20
